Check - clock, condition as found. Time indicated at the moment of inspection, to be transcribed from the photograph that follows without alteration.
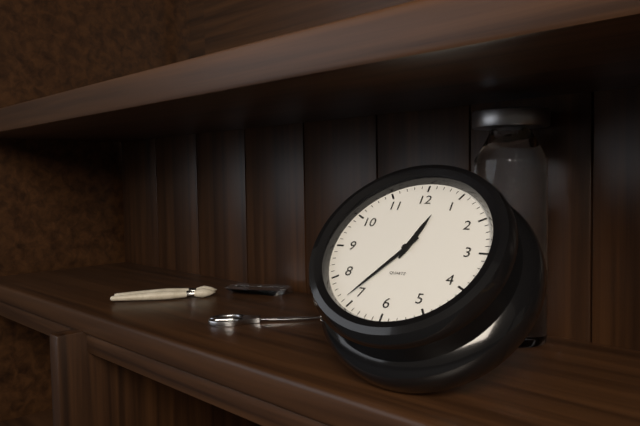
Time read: 12:36
